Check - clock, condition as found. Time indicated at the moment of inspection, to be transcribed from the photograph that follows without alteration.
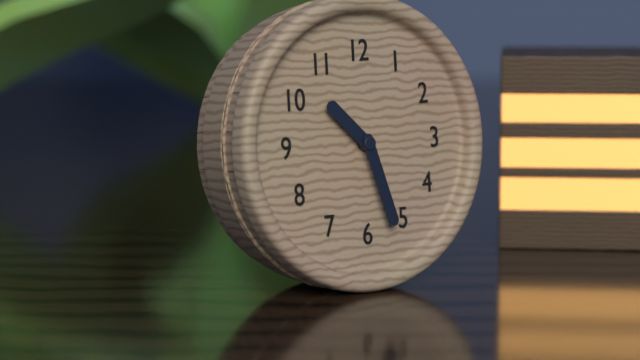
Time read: 10:27
